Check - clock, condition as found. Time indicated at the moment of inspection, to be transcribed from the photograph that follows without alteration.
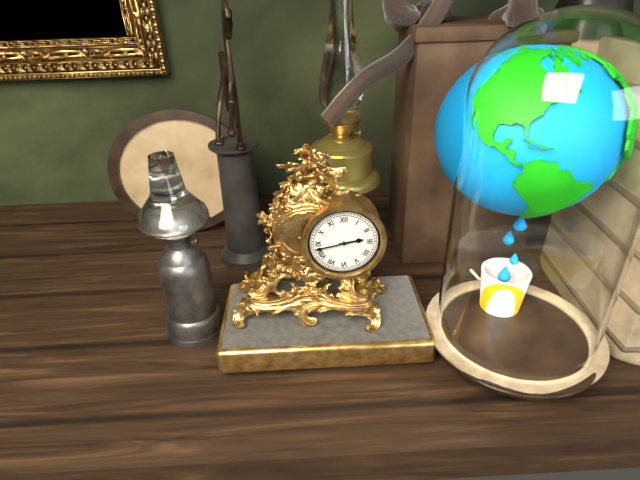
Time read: 2:43
